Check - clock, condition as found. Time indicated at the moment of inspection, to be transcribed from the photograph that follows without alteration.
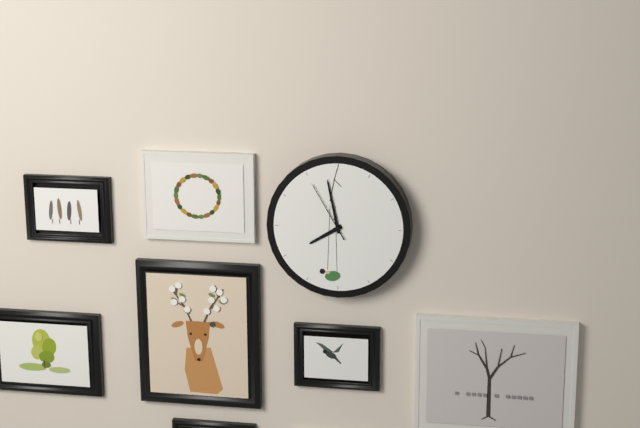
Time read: 7:58:55
